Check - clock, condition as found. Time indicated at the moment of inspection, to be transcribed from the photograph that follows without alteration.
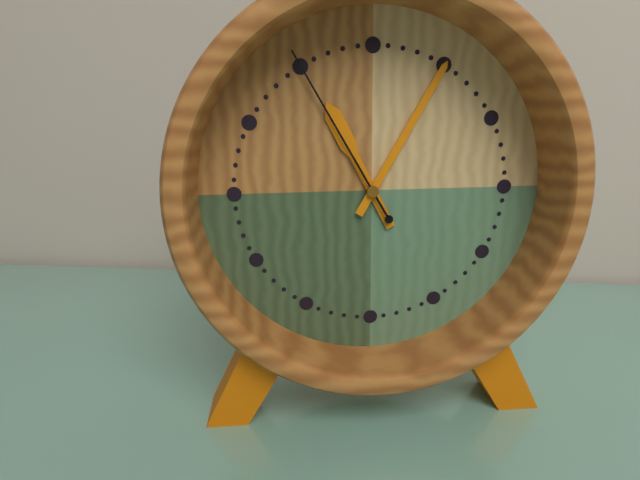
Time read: 11:05:55
